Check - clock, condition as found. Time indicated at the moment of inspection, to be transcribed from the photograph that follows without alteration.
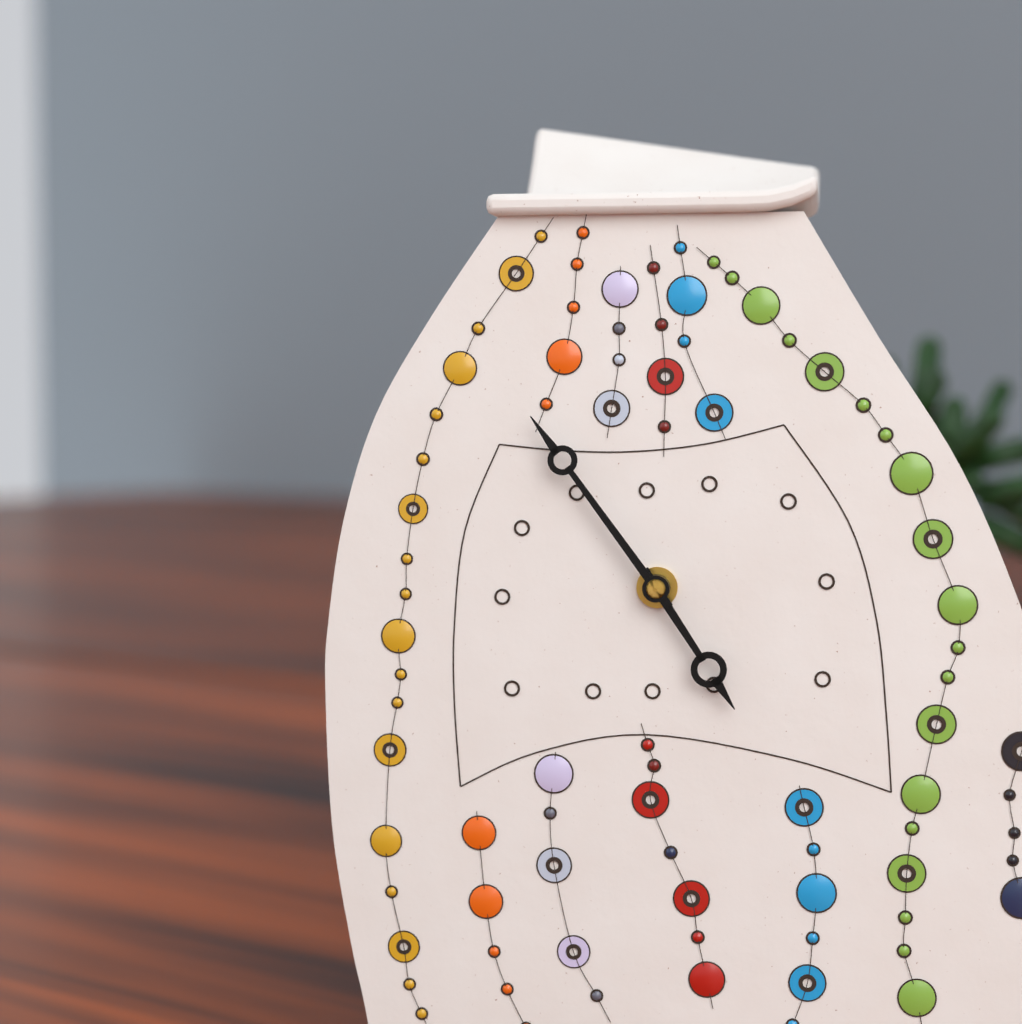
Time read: 4:54
